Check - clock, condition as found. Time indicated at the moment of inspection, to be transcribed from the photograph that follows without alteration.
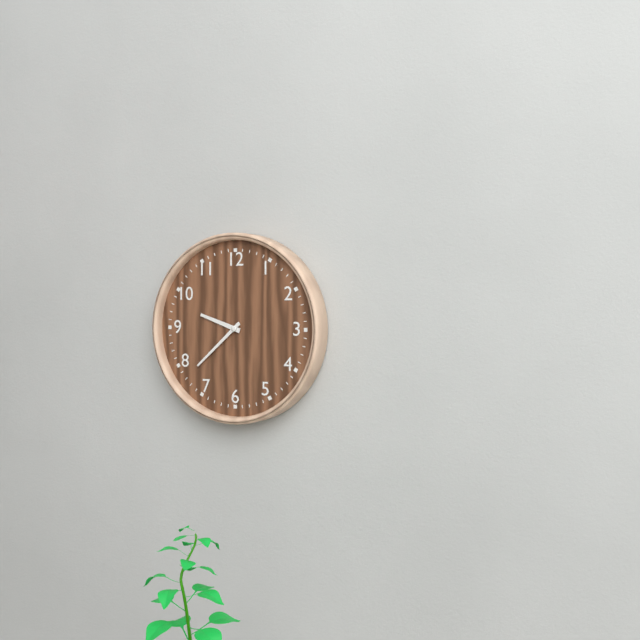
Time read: 9:38
